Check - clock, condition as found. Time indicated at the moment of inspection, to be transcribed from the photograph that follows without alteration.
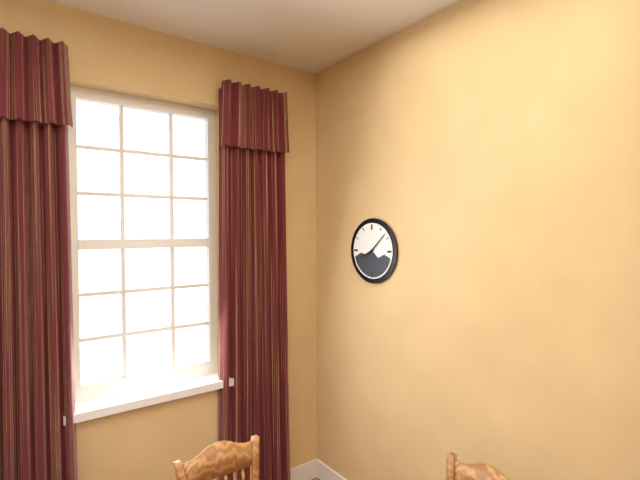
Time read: 8:08
